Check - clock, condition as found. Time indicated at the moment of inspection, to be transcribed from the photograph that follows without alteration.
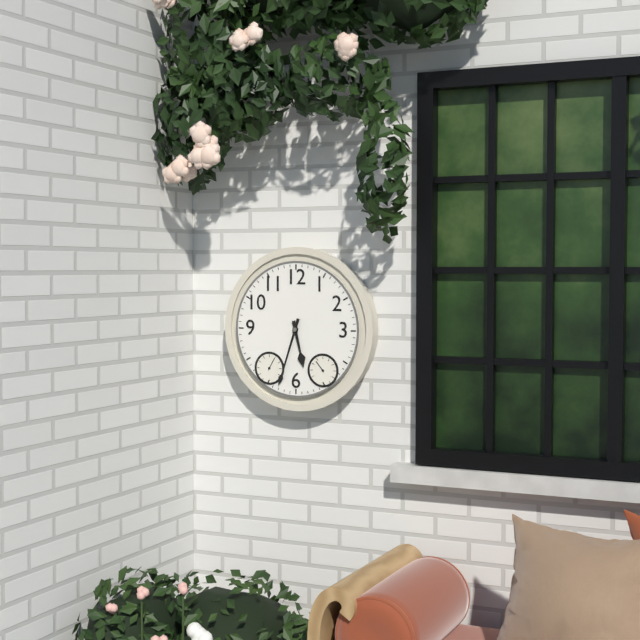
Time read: 5:33
